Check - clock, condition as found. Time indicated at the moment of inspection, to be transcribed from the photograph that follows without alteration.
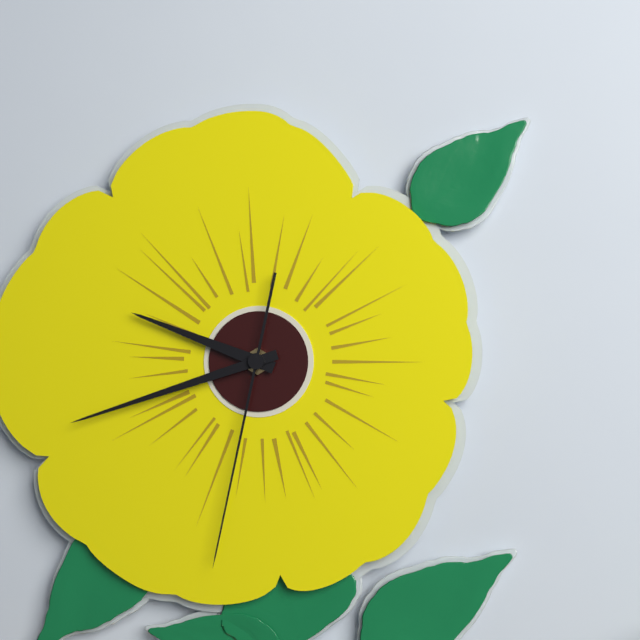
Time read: 9:42:32
